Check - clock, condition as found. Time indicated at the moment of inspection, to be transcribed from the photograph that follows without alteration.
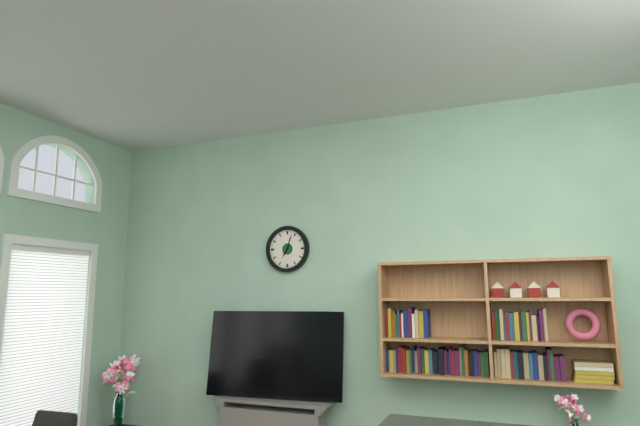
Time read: 7:03
